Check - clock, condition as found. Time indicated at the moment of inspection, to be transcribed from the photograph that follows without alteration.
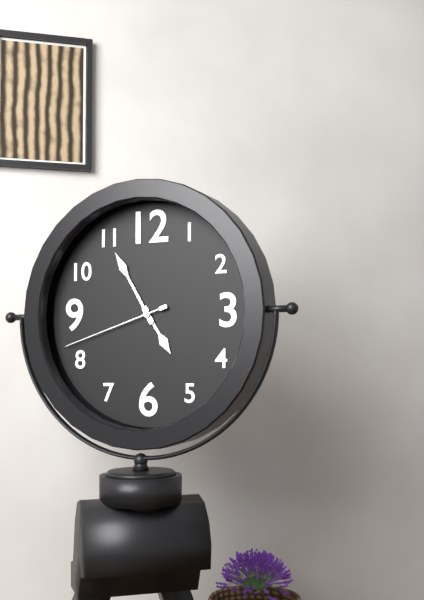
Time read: 4:55:42
